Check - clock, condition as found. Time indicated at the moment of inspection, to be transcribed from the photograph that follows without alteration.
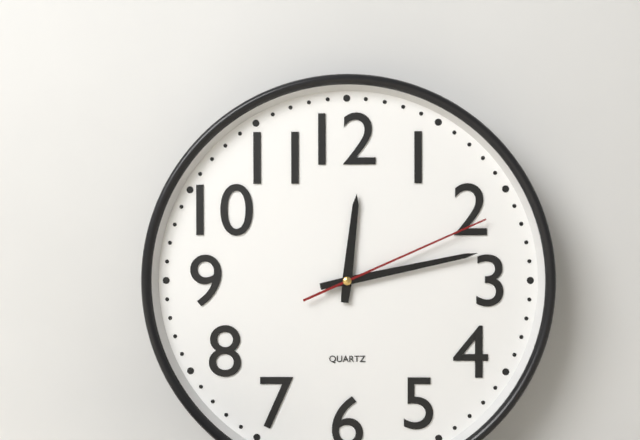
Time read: 12:13:11
